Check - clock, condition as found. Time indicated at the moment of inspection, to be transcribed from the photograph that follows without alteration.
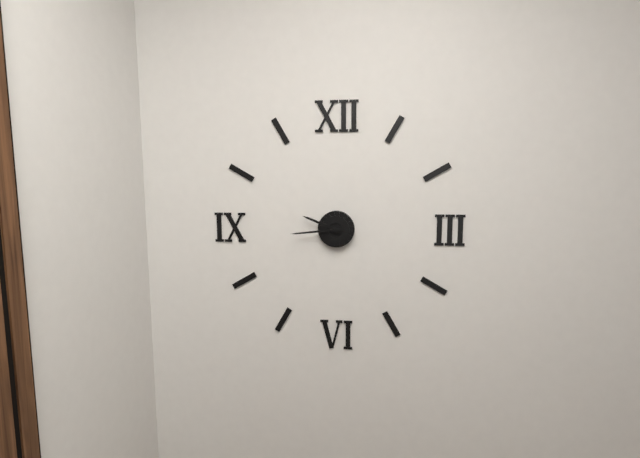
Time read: 9:44
